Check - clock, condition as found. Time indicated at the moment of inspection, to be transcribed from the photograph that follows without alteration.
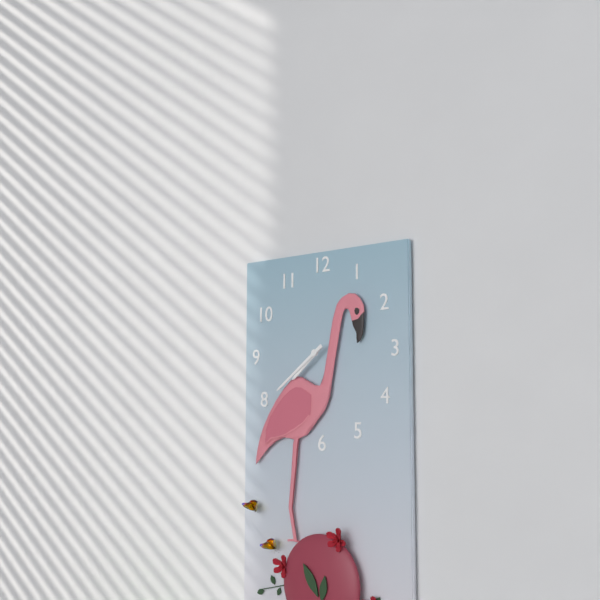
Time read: 7:39
